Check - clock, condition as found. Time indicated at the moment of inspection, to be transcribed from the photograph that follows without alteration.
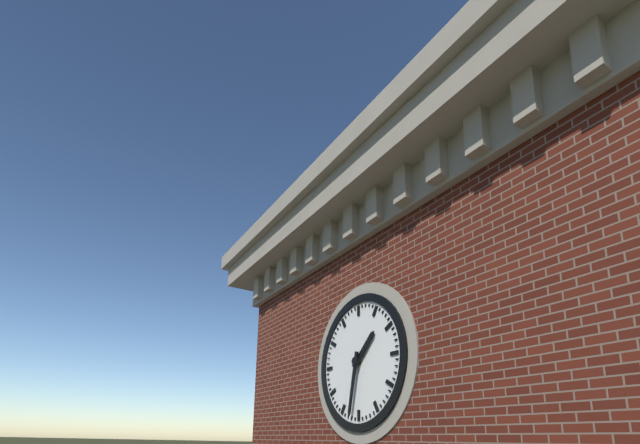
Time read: 1:32
